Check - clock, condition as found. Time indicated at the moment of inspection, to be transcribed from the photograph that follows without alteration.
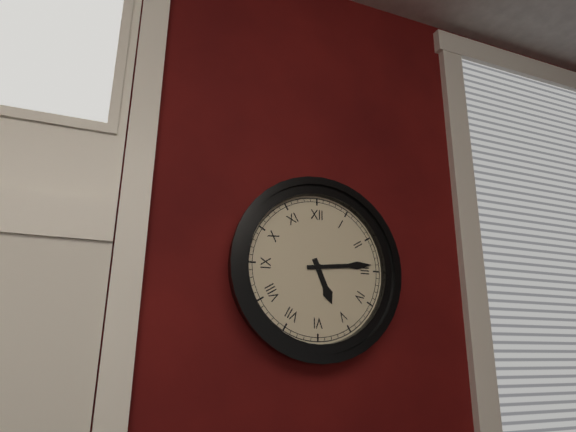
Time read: 5:14
